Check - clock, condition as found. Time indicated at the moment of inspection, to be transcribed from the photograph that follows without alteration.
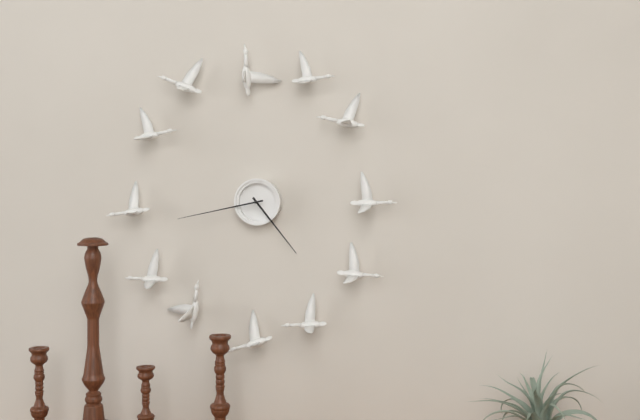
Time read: 4:43
